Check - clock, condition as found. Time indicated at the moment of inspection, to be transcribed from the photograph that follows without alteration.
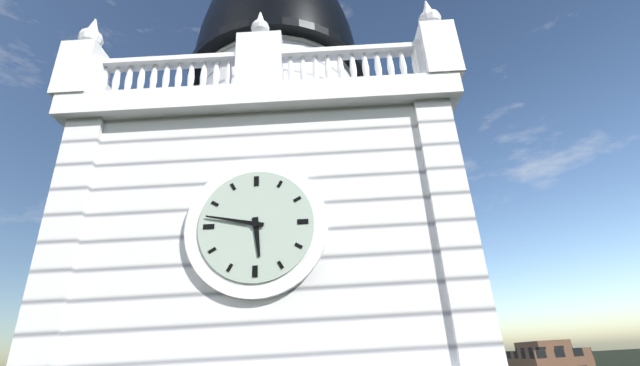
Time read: 5:47
